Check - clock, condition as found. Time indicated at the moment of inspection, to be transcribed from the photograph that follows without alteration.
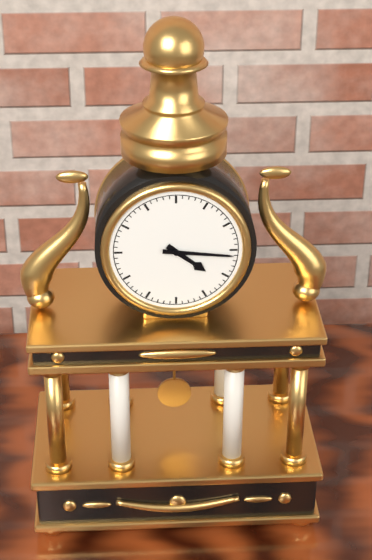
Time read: 4:16
